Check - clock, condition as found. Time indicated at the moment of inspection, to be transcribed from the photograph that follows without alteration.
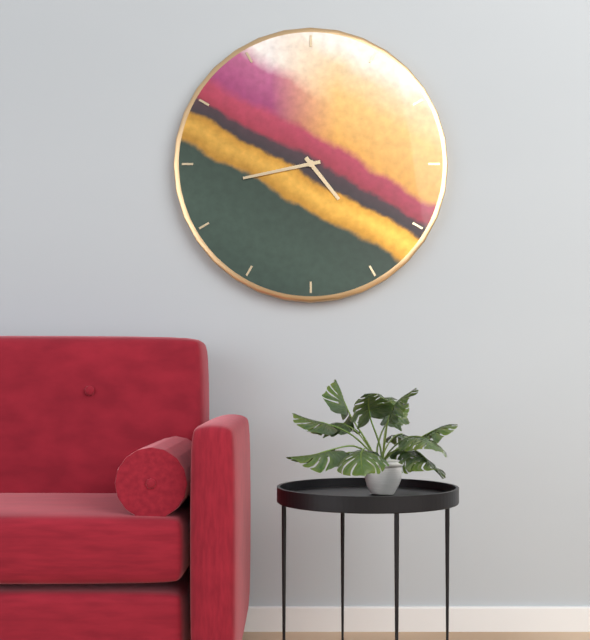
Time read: 4:43
